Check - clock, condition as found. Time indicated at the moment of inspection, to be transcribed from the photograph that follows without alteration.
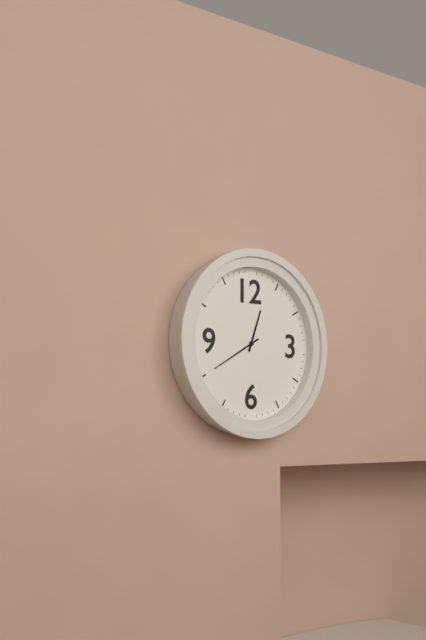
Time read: 12:40
